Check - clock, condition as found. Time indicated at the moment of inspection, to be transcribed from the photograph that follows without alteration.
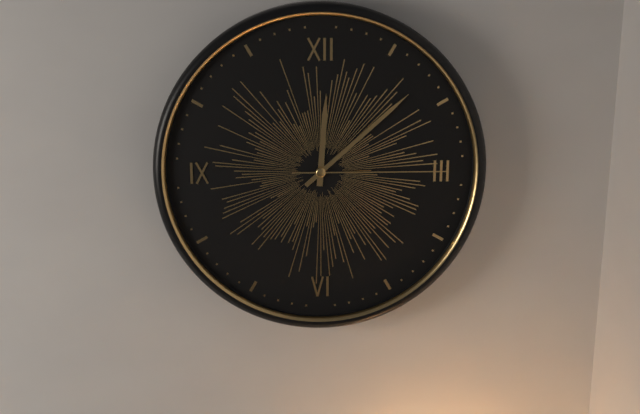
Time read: 12:08:15
